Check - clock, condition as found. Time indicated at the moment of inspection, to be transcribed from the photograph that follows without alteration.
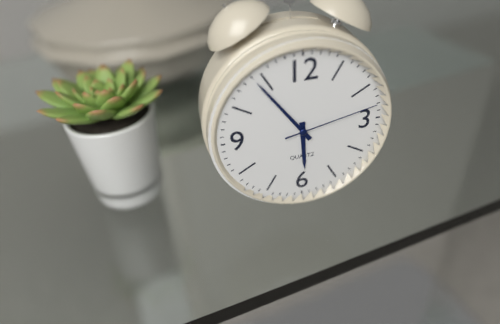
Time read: 5:54:13
